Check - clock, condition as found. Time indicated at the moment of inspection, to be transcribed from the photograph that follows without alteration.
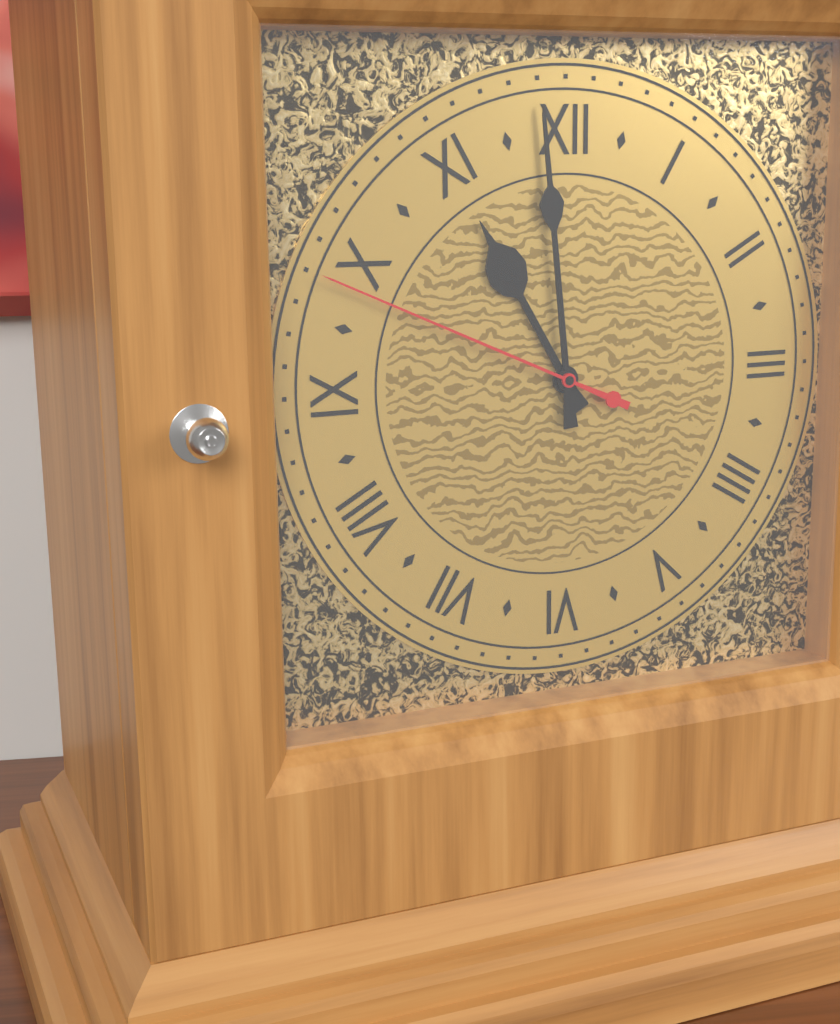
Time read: 10:59:49
